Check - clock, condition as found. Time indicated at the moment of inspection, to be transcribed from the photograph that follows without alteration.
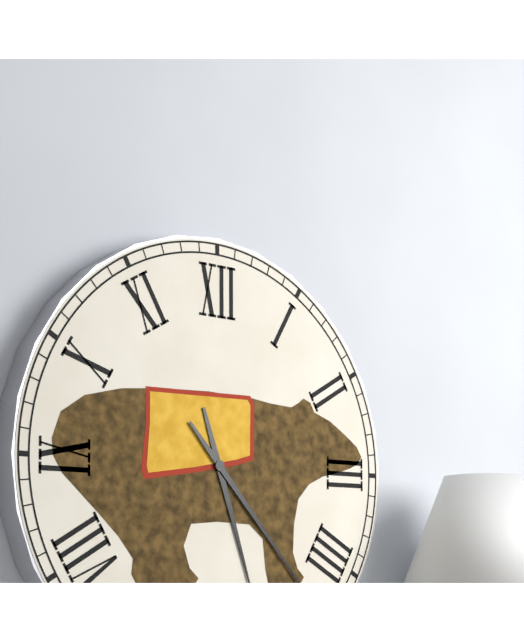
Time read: 5:23
